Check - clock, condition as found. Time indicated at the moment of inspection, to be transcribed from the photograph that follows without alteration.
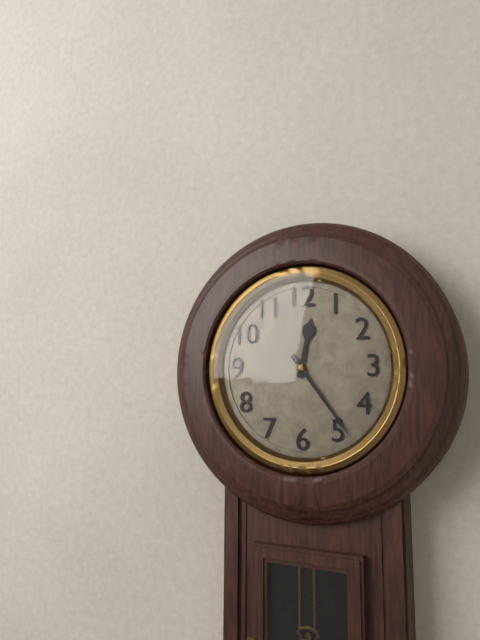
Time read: 12:24
